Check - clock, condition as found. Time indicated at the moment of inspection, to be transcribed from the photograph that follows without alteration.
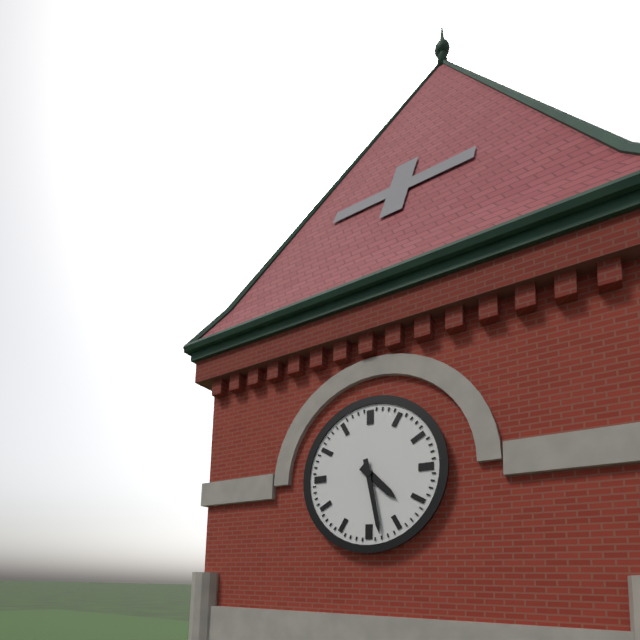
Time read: 4:28
